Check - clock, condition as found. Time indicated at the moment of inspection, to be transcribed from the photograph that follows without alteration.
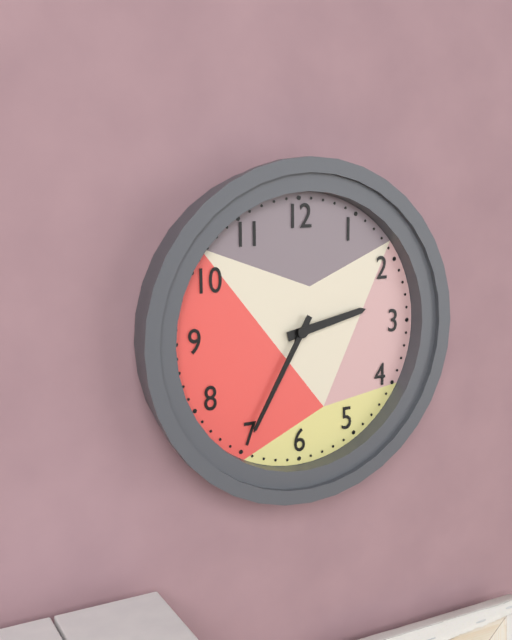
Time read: 2:35
